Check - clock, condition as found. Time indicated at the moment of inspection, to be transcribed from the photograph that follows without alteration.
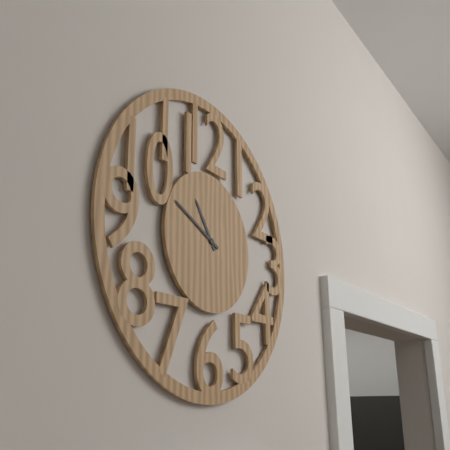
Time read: 10:49
